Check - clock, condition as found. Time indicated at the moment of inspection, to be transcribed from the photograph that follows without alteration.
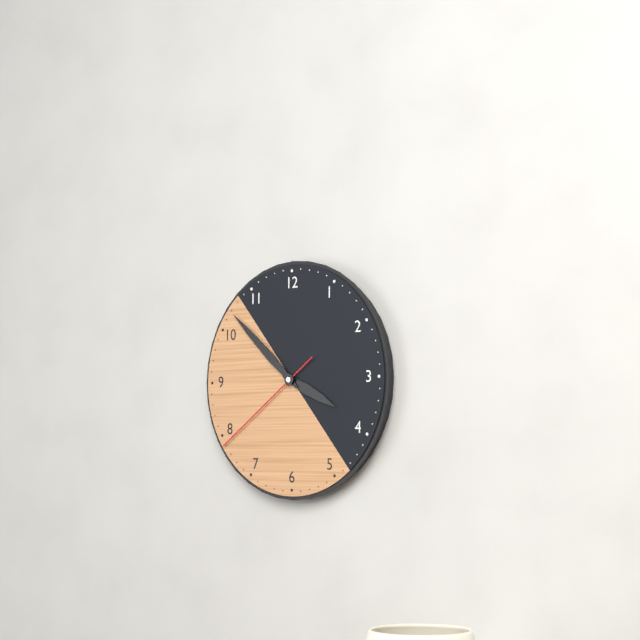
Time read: 3:52:39
